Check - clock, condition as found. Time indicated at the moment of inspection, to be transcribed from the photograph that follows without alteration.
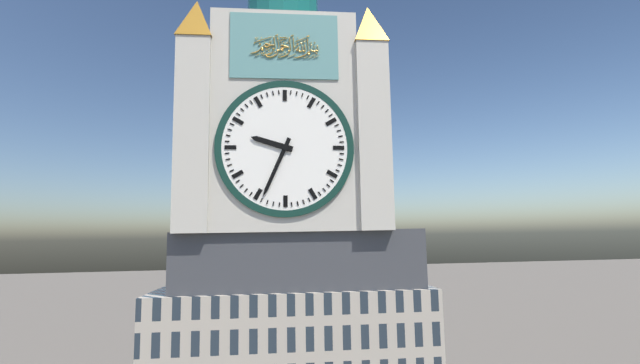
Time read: 9:34
